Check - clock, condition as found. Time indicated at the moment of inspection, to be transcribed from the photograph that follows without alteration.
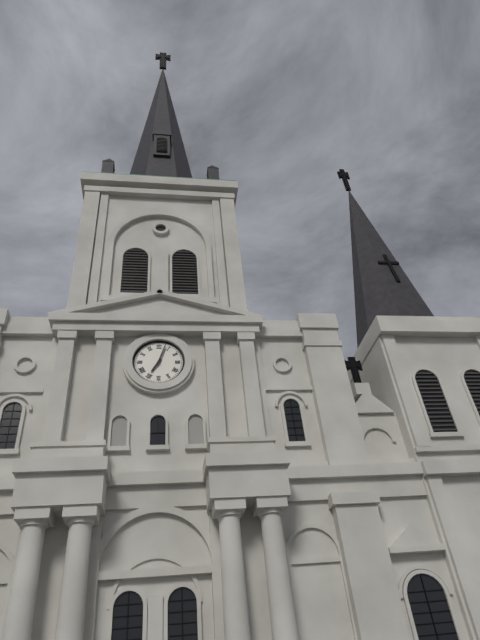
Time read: 7:03
